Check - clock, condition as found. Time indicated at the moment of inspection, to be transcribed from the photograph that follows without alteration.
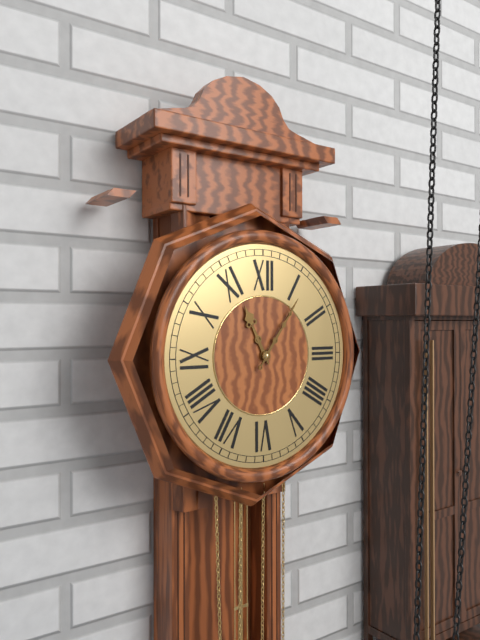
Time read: 11:06
